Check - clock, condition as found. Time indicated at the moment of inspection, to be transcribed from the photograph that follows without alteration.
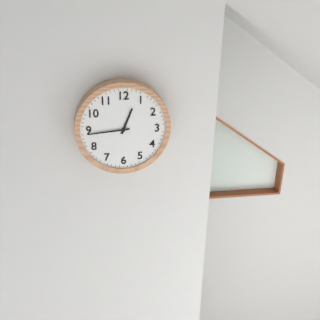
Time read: 12:44
